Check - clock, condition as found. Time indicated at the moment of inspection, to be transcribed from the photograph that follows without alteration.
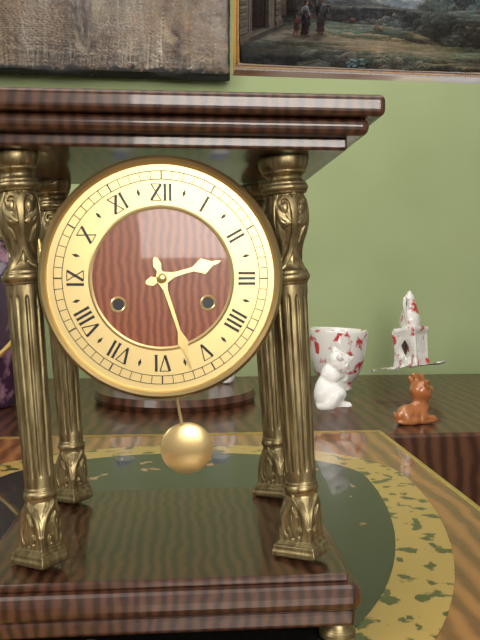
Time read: 2:27
